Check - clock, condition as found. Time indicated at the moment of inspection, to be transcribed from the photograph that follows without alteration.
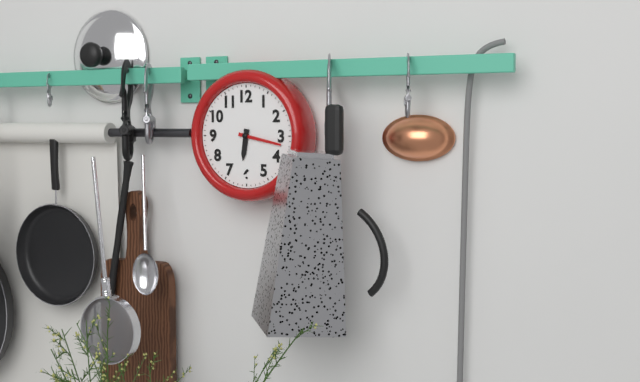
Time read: 6:17
